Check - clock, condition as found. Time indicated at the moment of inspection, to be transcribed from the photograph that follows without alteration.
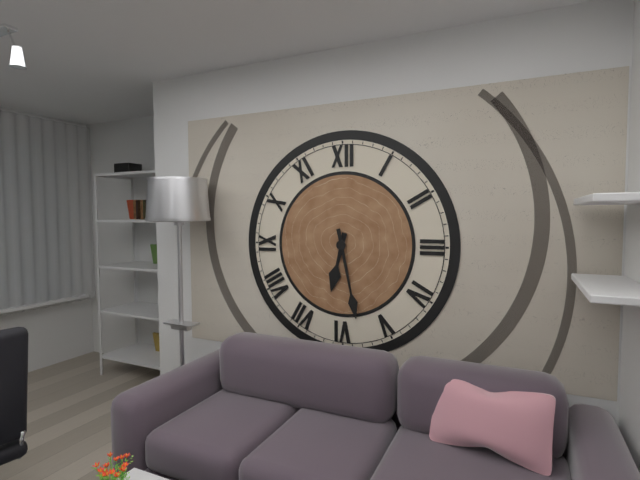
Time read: 6:28
